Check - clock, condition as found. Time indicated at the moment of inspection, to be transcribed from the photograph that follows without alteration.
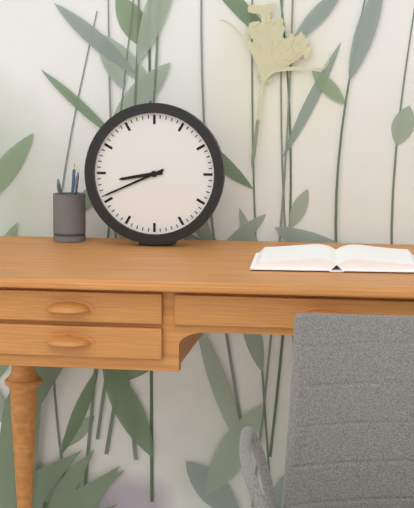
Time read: 8:41
